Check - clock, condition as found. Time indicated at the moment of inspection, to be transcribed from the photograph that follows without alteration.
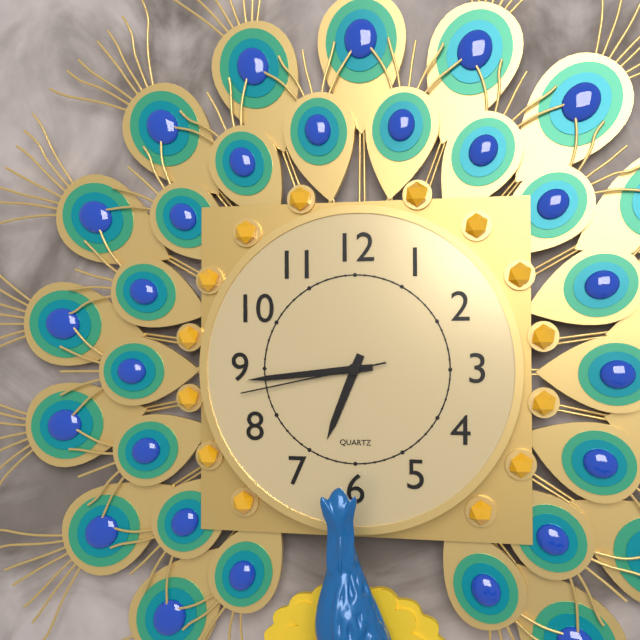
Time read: 6:44:43
